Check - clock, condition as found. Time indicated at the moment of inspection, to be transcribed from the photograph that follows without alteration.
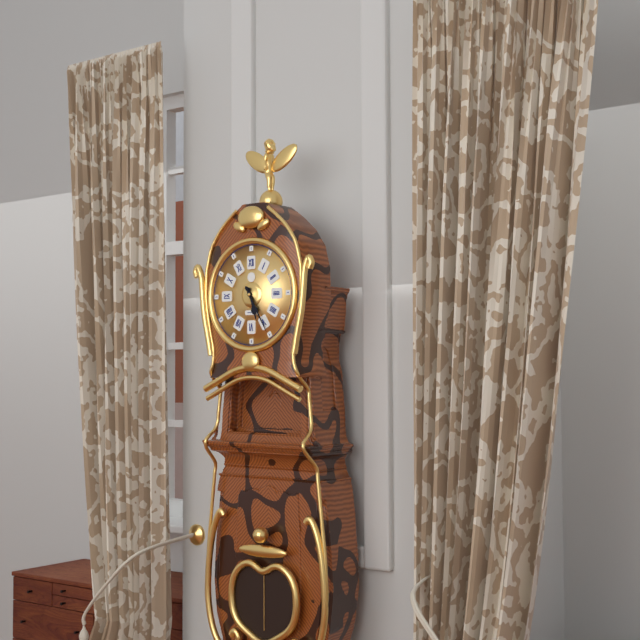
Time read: 5:25
